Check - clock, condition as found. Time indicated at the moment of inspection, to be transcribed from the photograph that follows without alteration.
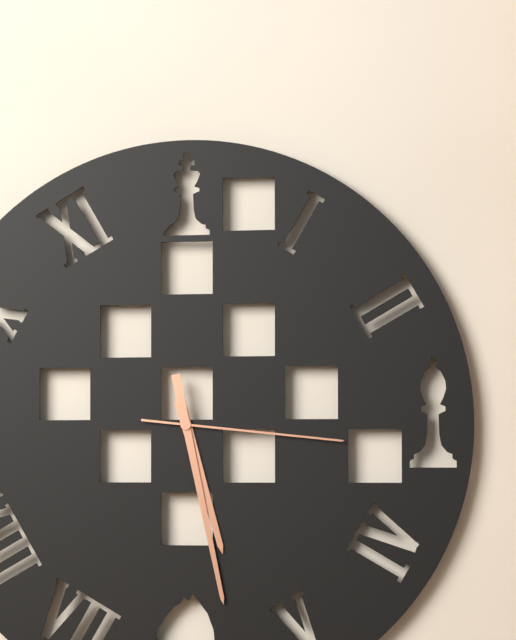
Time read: 5:28:16
